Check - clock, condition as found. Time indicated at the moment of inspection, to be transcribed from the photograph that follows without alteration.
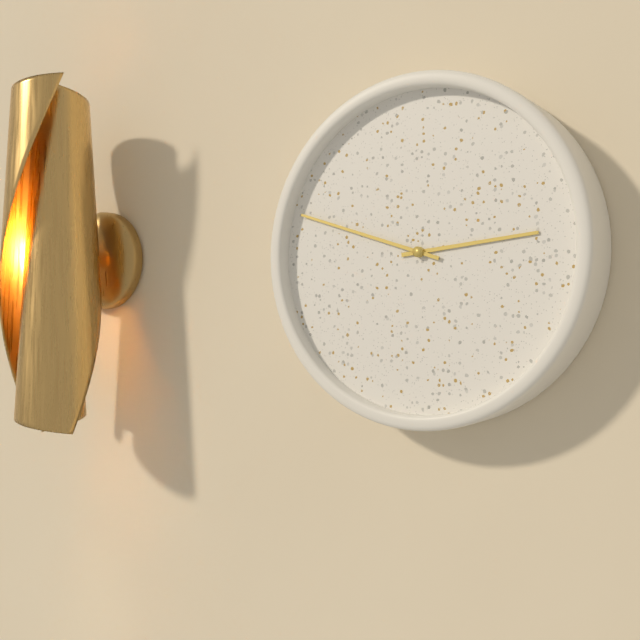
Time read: 2:48
